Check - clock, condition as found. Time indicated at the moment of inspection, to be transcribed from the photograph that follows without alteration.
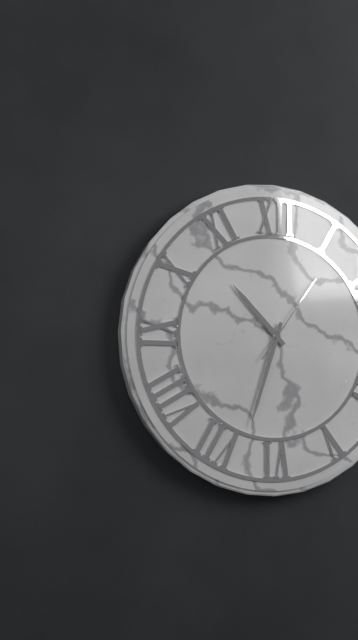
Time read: 10:33:06
